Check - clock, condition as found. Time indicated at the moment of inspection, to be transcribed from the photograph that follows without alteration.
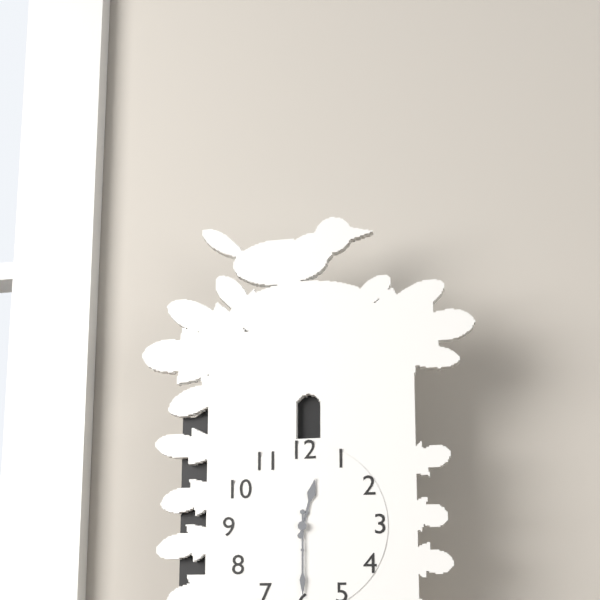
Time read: 12:30
